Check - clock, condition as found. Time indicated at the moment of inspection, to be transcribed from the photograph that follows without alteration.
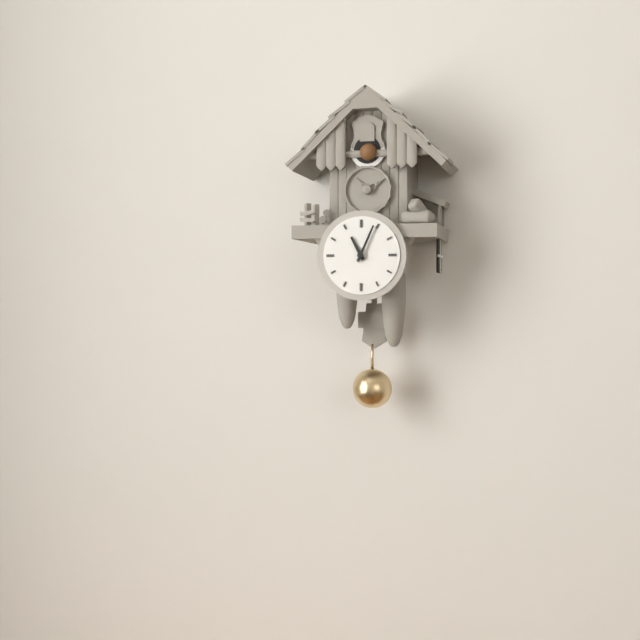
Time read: 11:04
